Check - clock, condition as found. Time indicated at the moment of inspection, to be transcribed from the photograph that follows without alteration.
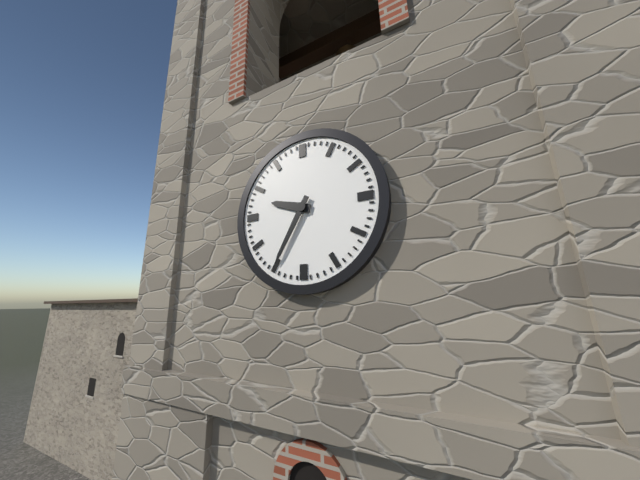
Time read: 9:35
